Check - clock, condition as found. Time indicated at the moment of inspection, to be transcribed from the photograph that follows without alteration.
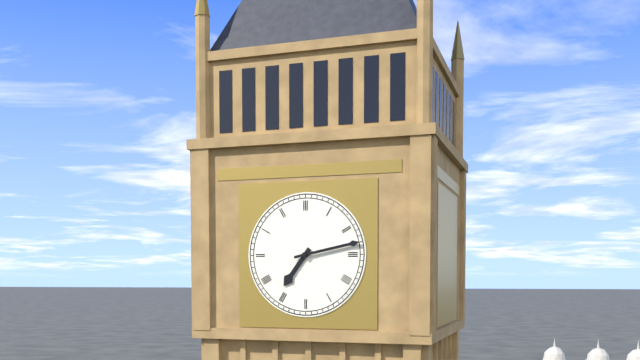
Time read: 7:13
